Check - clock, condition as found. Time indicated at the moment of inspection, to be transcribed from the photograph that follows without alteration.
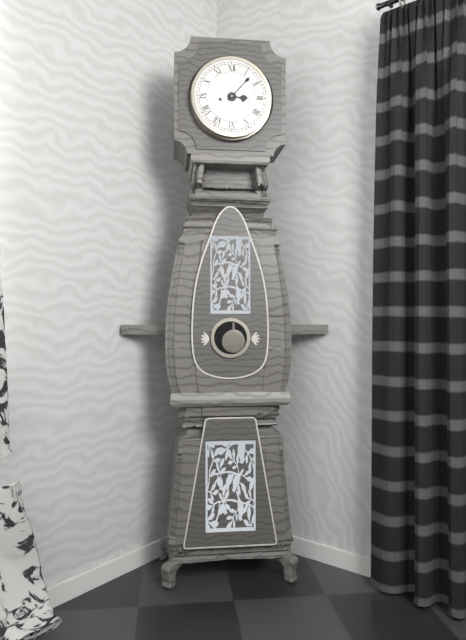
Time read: 3:07
